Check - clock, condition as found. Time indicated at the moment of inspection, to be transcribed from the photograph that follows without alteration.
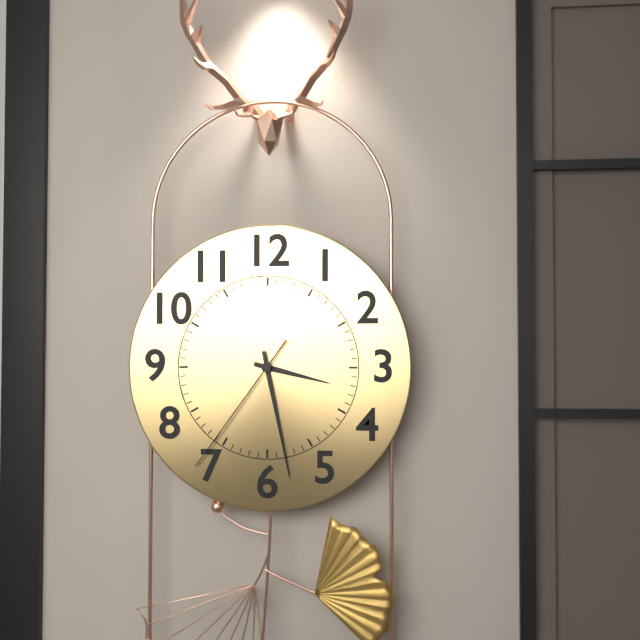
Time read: 3:28:36
